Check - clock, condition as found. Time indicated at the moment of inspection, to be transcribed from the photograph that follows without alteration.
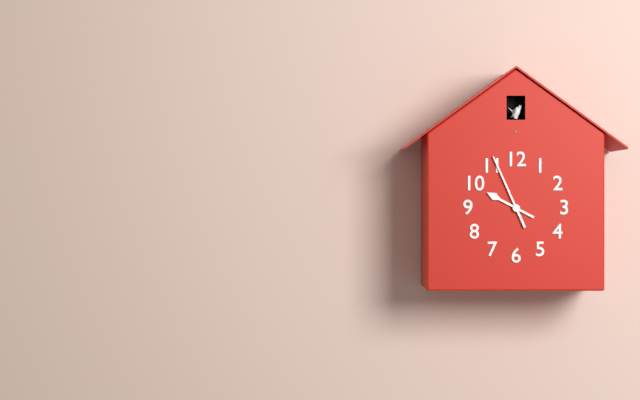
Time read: 9:56
